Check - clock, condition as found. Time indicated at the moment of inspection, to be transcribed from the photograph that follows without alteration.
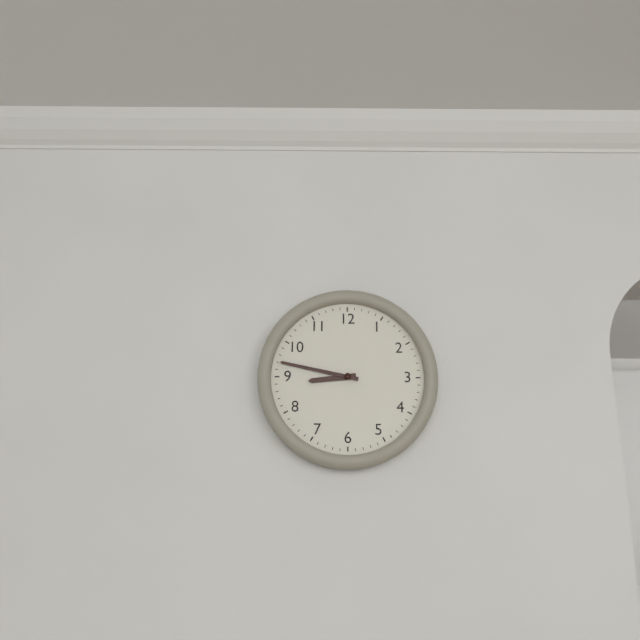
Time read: 8:47
